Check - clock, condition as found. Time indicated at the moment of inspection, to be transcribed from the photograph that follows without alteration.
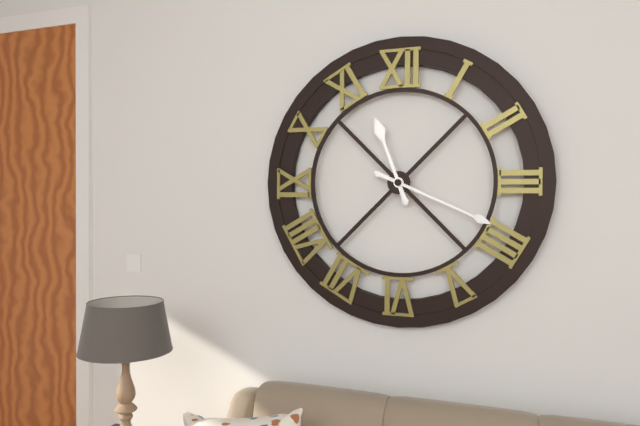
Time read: 11:19
